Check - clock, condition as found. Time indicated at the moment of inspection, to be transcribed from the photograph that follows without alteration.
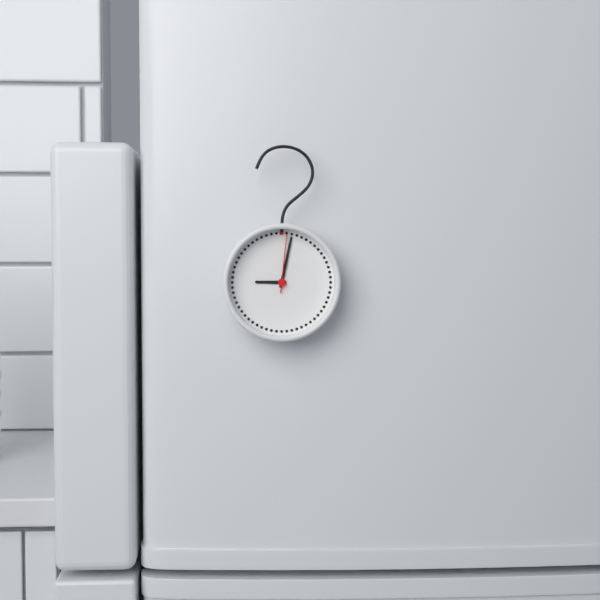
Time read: 9:02:01
